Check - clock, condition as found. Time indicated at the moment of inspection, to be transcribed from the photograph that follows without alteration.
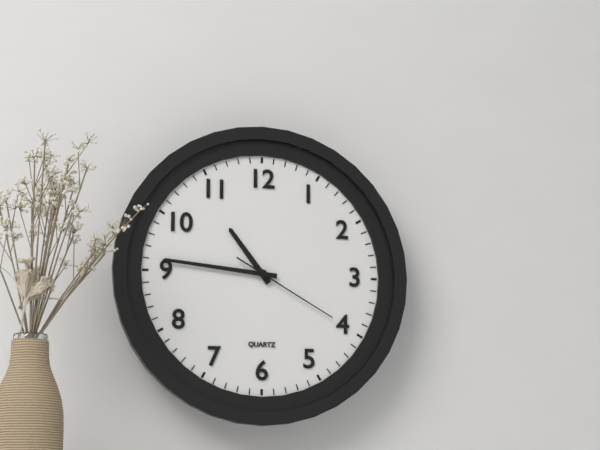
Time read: 10:46:20
